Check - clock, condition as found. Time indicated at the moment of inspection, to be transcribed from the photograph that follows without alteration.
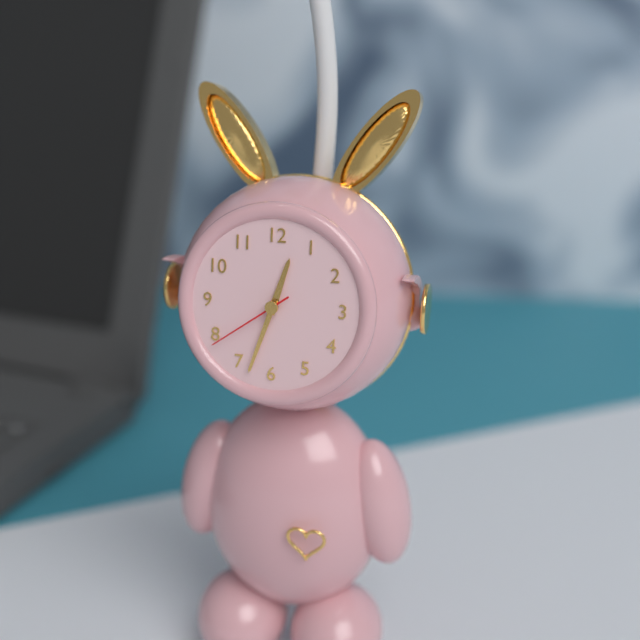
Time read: 12:33:39
